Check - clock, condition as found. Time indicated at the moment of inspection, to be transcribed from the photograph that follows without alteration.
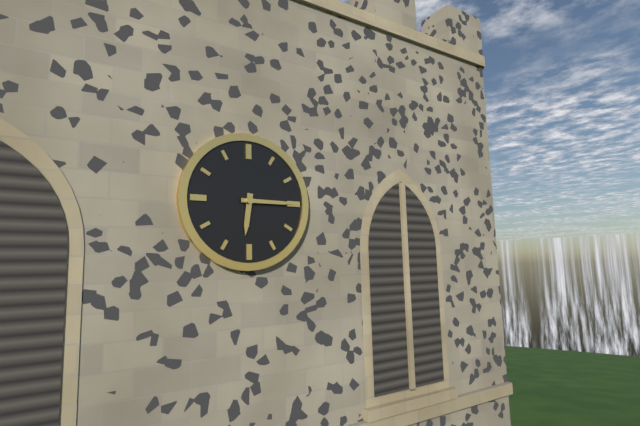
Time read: 6:15
